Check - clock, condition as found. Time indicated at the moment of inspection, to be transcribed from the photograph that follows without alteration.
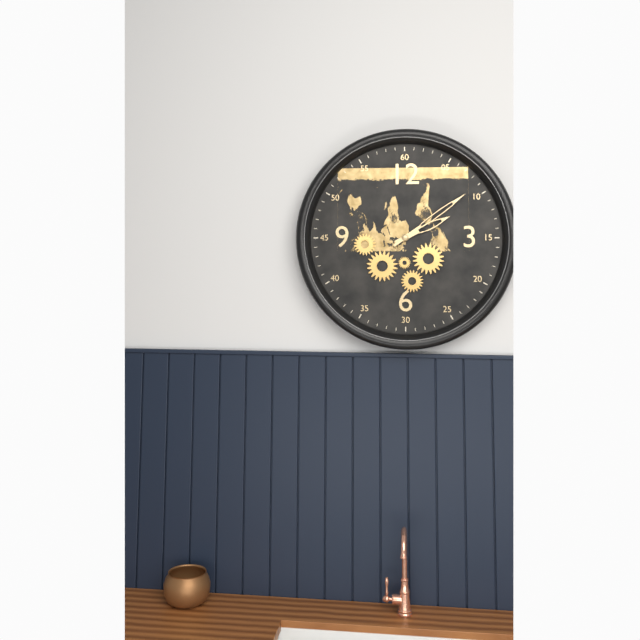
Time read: 2:09
